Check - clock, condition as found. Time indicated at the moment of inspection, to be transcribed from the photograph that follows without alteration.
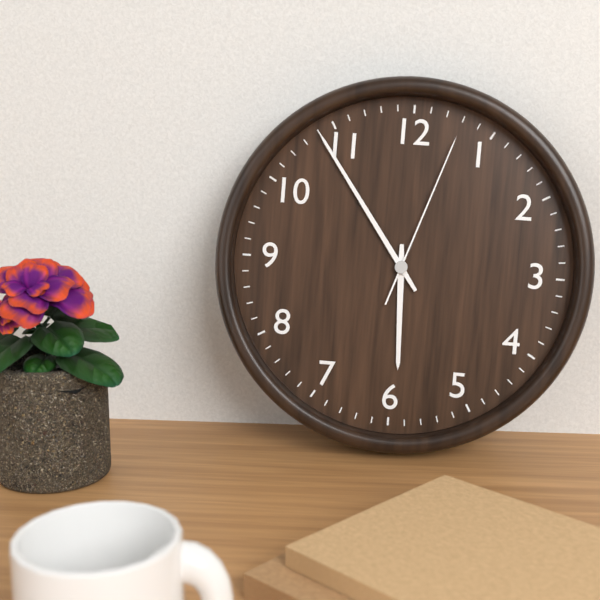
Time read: 5:54:03
